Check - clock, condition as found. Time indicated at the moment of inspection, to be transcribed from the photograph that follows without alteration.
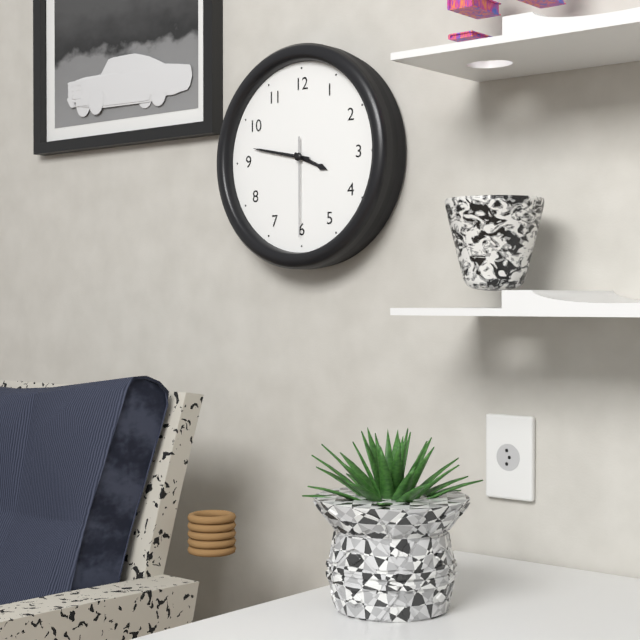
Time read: 3:47:30
